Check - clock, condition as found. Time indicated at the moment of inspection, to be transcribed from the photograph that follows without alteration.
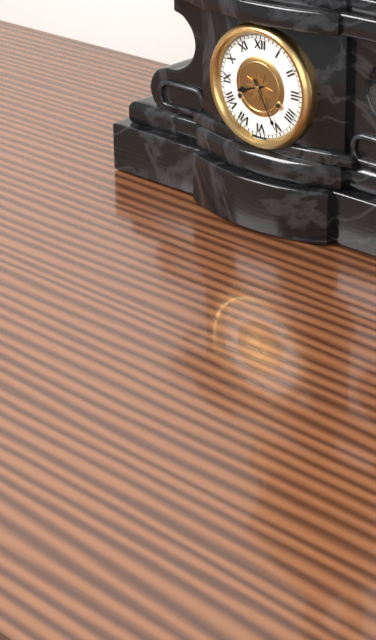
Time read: 8:25
